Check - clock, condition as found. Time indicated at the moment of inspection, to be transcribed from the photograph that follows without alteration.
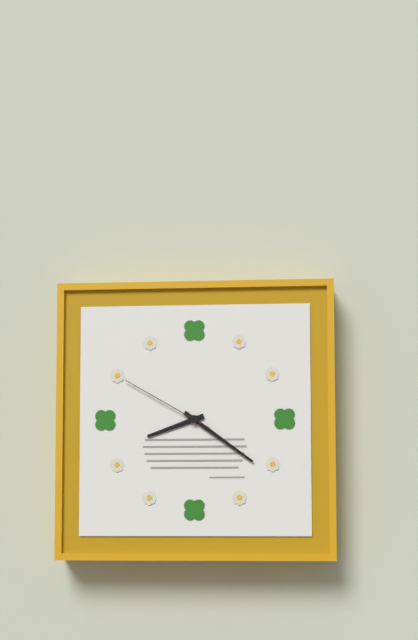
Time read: 8:21:50
